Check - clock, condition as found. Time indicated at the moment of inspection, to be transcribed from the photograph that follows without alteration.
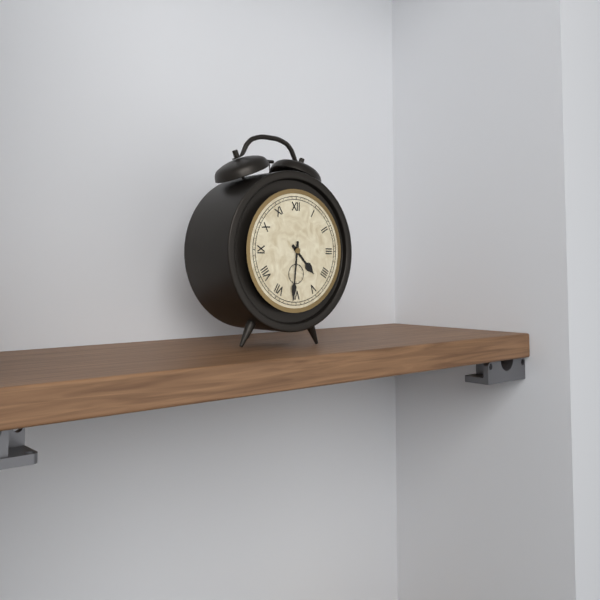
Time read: 4:31
